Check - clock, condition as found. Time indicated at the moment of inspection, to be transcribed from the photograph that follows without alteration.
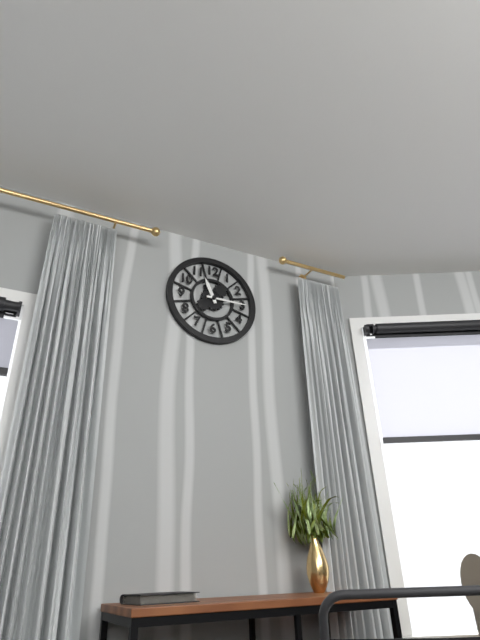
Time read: 11:15
